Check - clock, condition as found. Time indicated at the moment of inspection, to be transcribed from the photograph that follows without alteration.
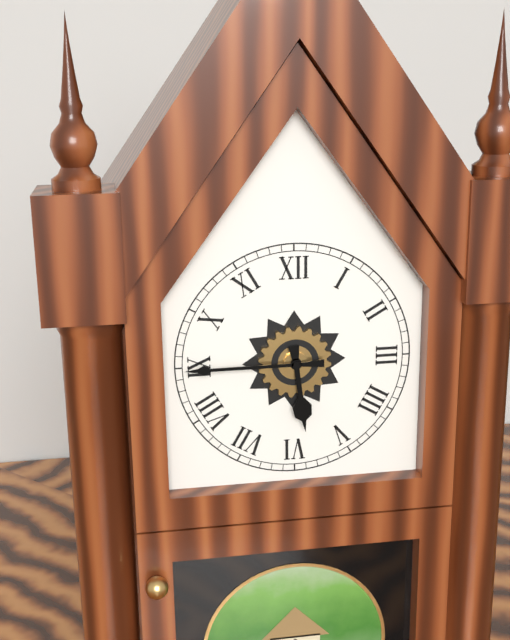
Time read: 5:45
